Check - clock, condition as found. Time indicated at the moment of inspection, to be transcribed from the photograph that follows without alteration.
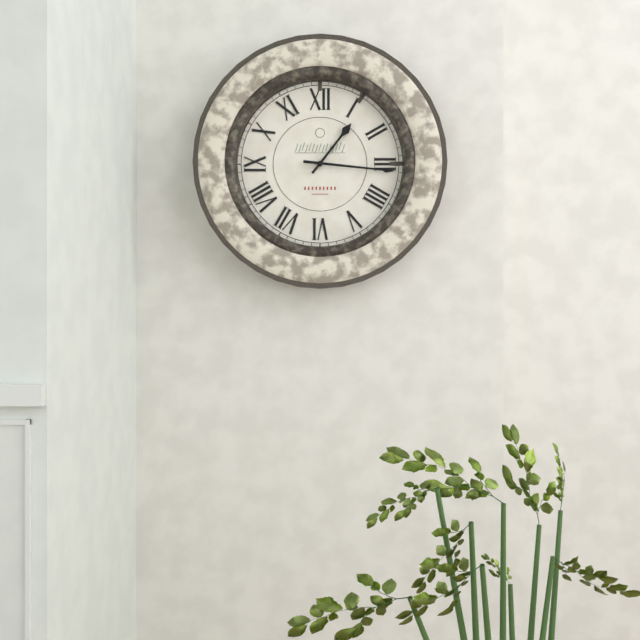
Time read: 1:16
